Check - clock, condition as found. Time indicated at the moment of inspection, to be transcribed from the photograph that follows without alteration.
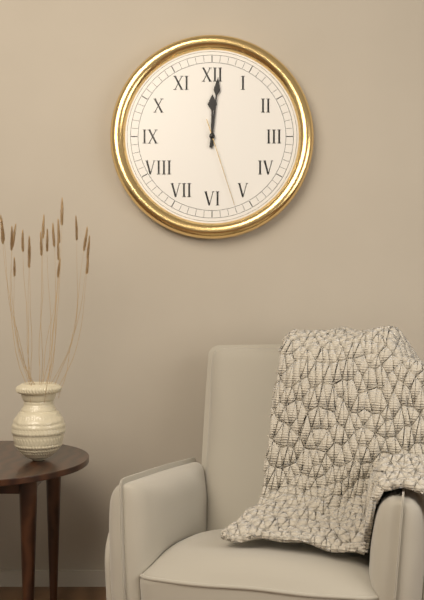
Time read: 12:01:27
